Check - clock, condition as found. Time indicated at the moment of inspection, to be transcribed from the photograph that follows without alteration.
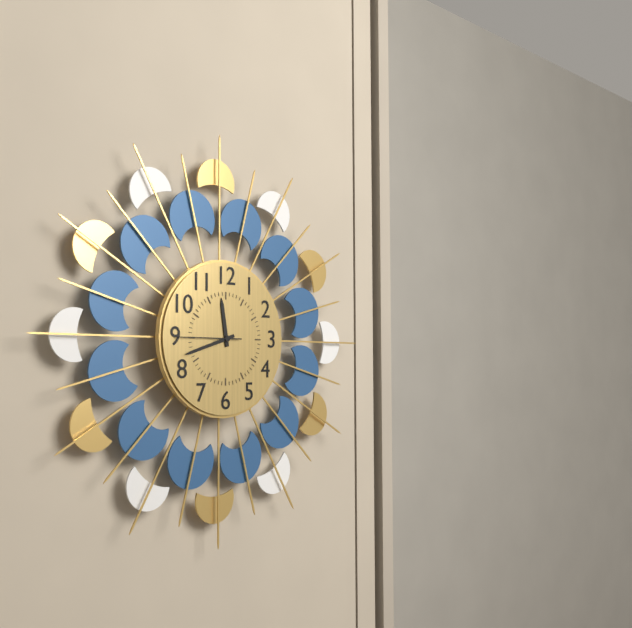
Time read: 11:42:45
